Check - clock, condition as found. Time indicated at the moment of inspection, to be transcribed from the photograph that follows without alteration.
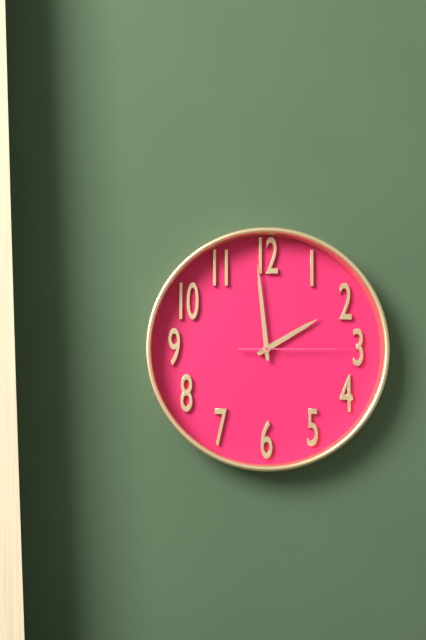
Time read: 1:59:15
